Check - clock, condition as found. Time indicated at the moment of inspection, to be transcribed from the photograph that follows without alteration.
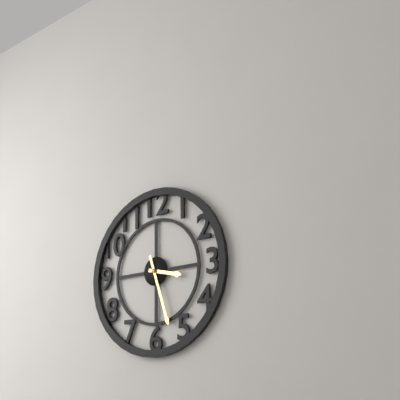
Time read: 3:27
